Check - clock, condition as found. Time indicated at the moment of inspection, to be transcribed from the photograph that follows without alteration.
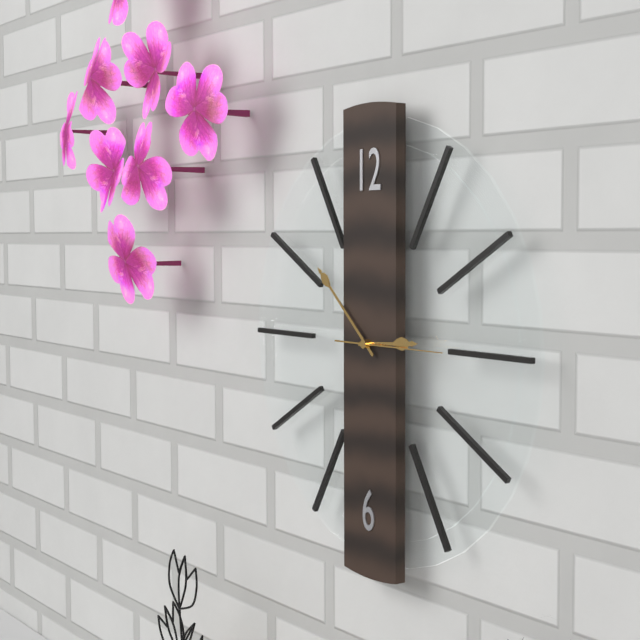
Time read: 2:52:15
